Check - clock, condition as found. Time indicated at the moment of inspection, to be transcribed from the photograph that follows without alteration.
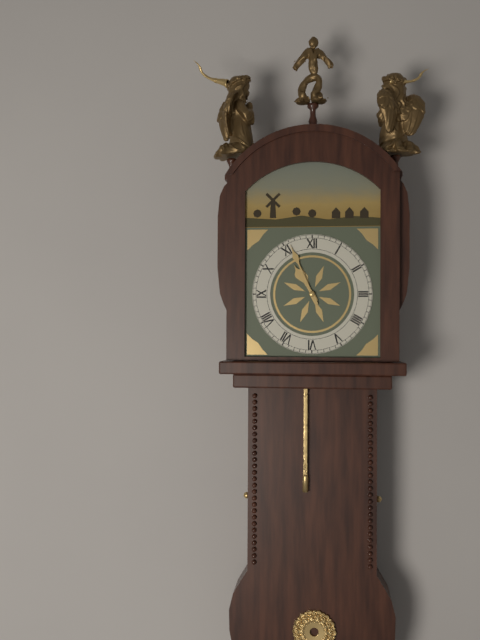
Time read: 10:56
